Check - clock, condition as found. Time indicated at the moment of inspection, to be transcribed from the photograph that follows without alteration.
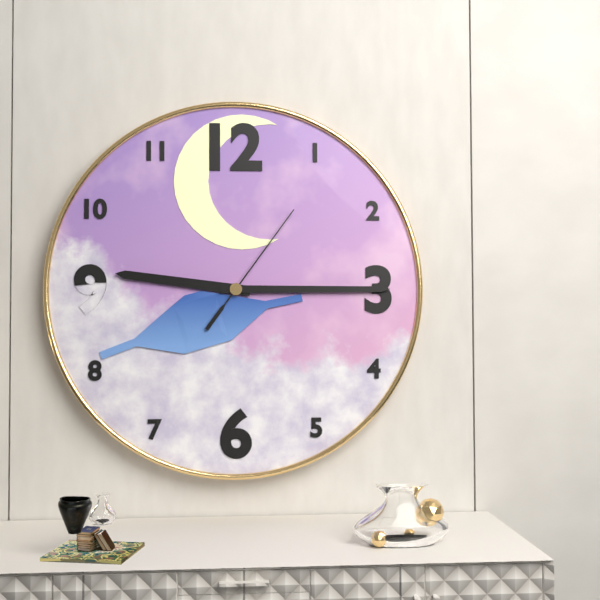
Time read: 9:15:06
